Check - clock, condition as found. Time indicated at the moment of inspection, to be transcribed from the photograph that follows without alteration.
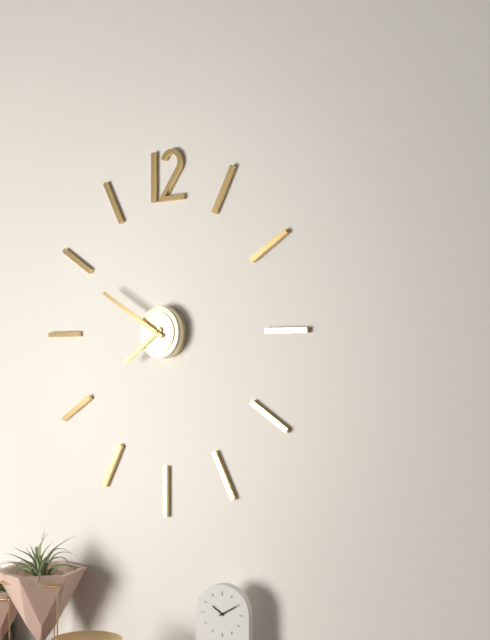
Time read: 7:50
